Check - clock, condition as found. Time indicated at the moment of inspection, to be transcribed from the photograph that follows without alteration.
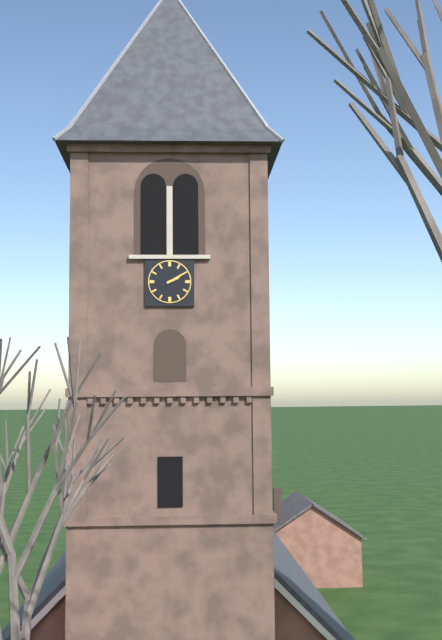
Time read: 2:10
